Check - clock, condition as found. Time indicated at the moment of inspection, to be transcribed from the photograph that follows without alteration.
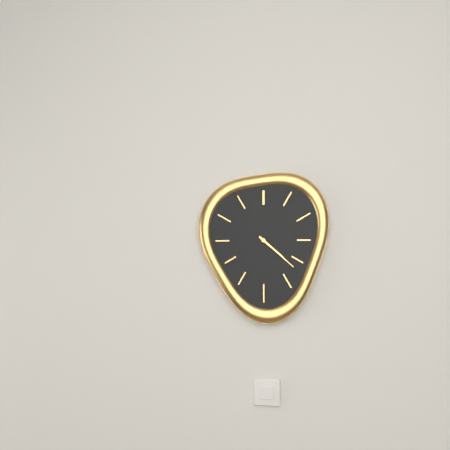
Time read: 4:22
